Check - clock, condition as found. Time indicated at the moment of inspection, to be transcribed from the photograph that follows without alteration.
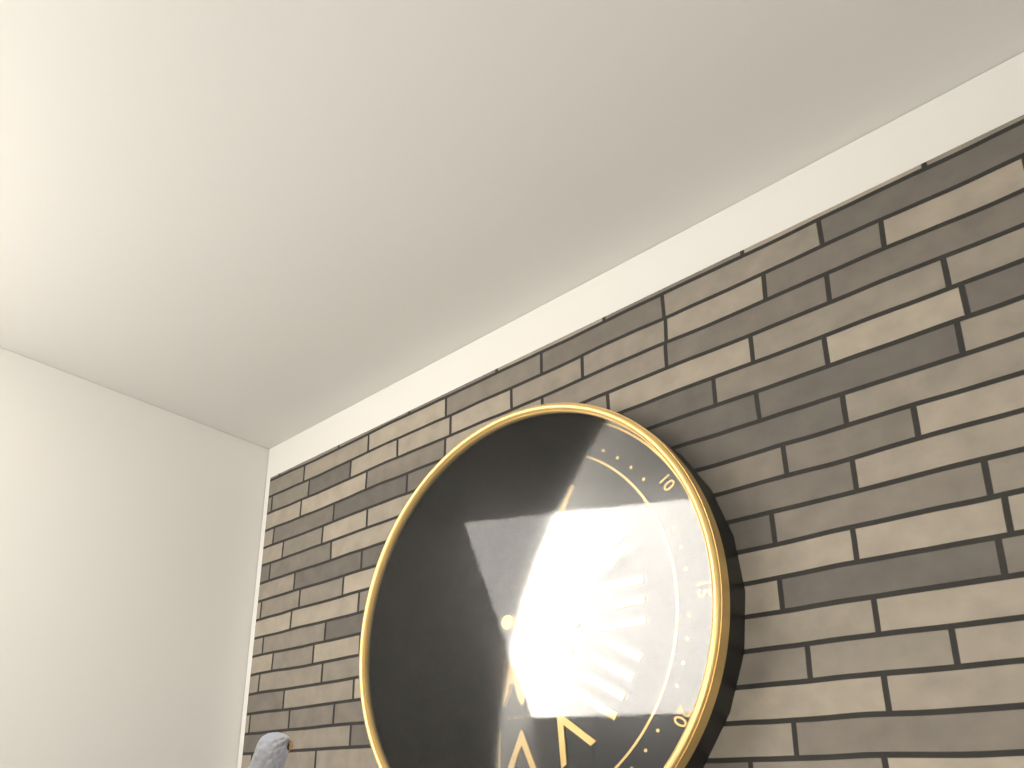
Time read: 2:12
